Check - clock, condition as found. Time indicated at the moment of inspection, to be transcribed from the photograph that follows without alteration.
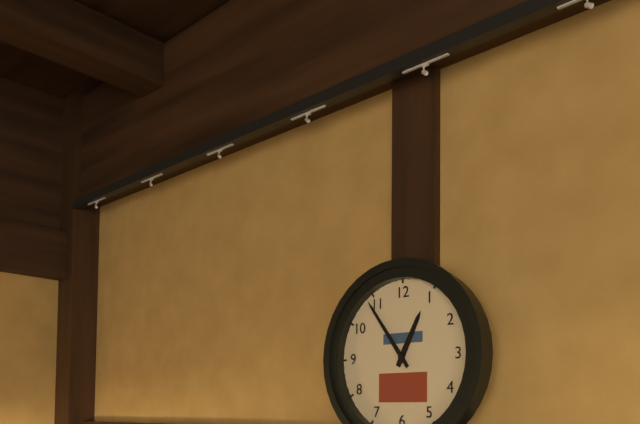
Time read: 12:54
